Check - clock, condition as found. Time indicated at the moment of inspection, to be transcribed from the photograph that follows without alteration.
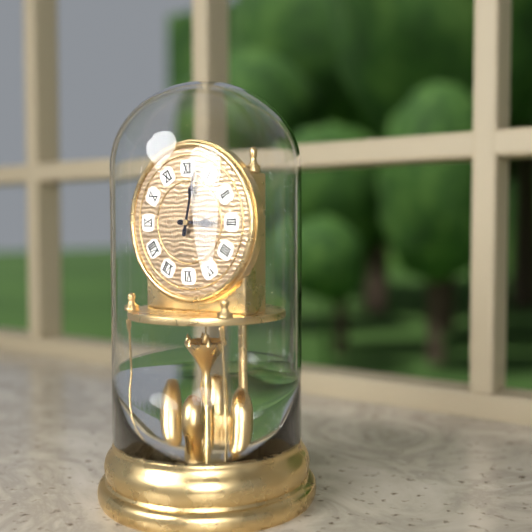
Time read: 3:02
